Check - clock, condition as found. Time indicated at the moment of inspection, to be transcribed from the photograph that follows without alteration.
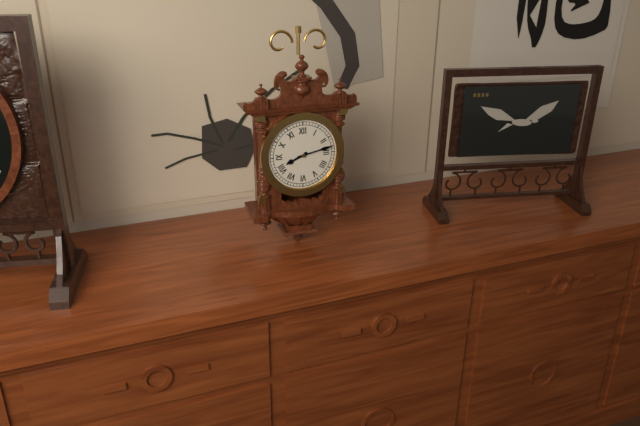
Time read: 8:13
